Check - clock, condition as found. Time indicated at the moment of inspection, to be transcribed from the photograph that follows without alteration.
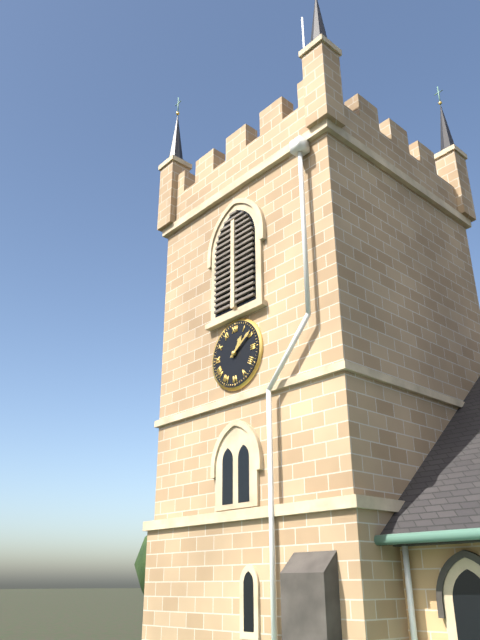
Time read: 1:09
